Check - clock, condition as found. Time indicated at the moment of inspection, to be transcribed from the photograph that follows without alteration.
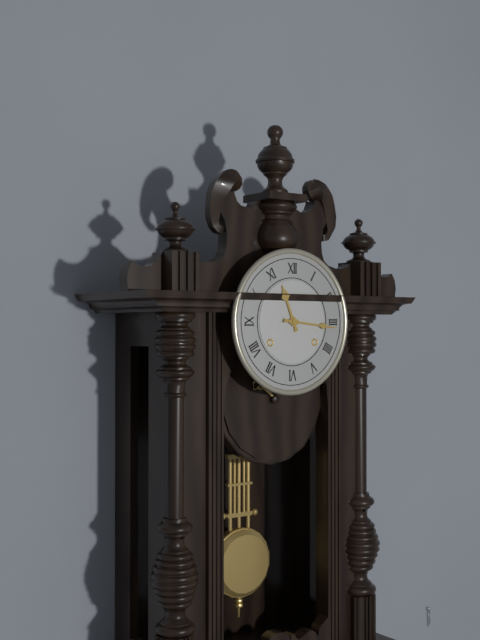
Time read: 11:16
